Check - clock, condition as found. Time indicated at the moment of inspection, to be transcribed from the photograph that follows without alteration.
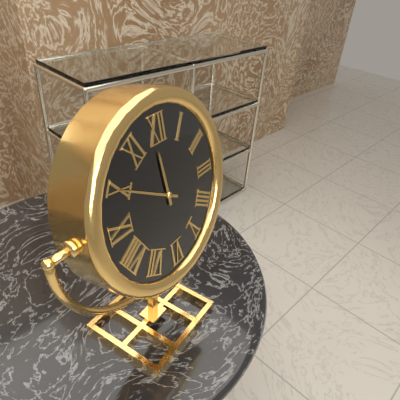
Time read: 11:50
